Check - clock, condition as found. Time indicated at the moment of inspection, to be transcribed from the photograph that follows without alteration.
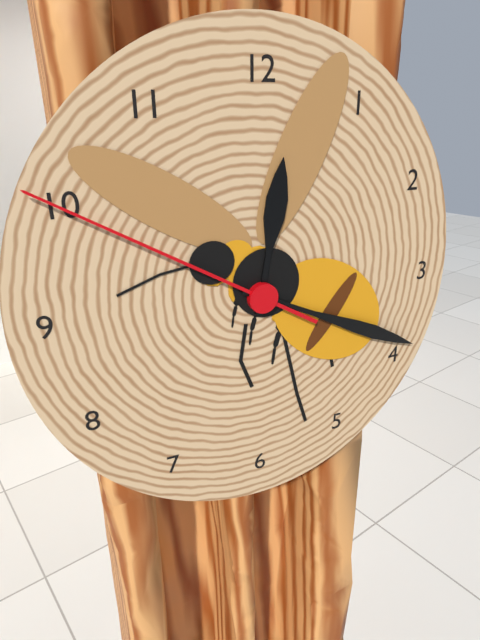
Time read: 12:19:50
